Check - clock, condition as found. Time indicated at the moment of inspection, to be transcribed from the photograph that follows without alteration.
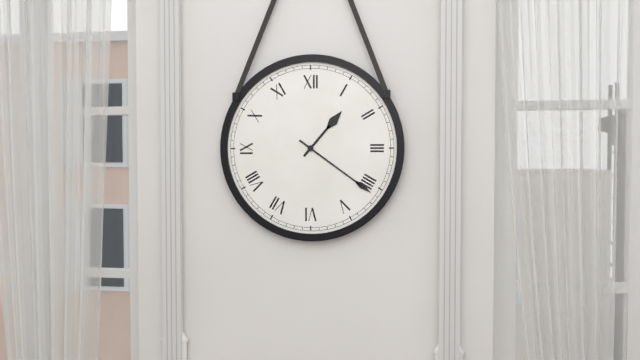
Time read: 1:21
